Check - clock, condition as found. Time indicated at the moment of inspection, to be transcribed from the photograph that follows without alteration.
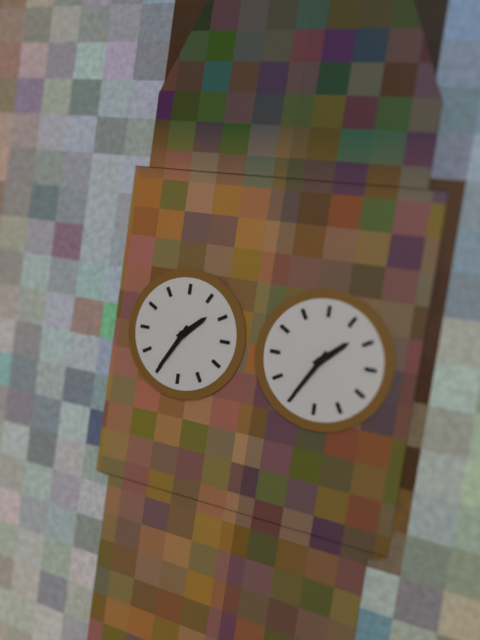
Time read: 1:35
